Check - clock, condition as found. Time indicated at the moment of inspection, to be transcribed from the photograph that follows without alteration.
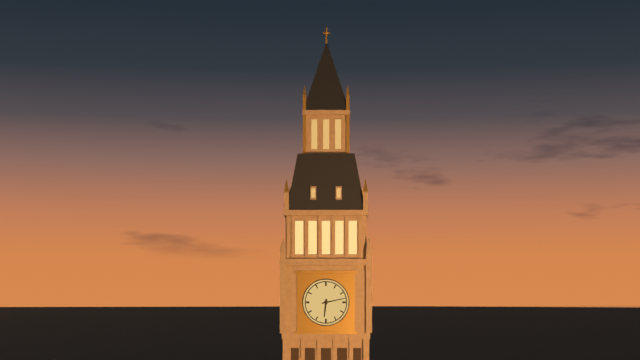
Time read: 6:13
